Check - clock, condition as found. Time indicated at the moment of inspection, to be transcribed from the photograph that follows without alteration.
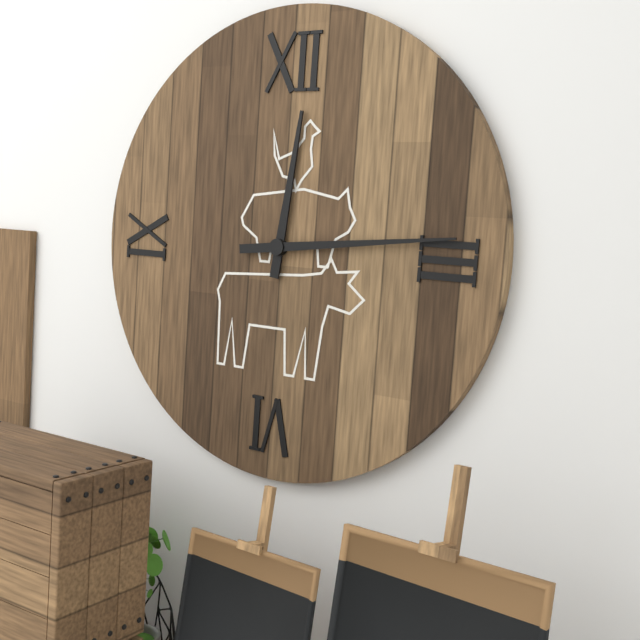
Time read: 12:14
